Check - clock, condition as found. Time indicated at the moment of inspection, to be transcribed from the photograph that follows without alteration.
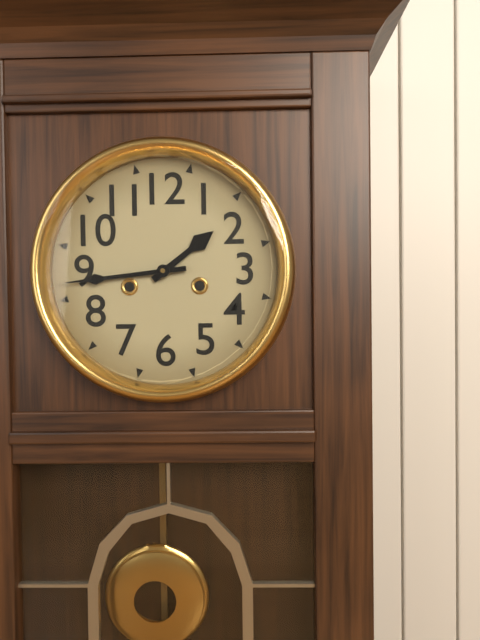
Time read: 1:44
